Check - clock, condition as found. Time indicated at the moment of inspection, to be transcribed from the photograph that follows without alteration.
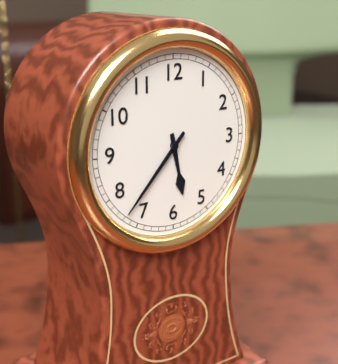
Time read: 5:37
